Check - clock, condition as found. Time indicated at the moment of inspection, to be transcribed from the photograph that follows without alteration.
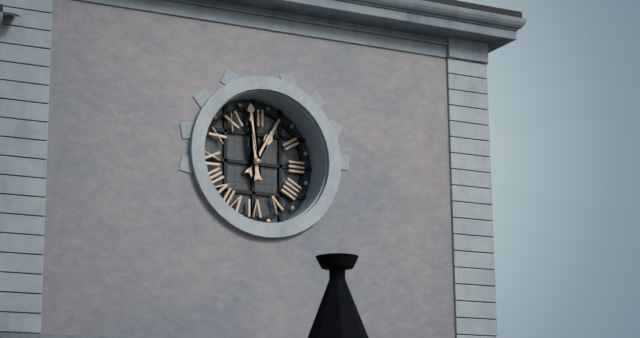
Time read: 12:59
